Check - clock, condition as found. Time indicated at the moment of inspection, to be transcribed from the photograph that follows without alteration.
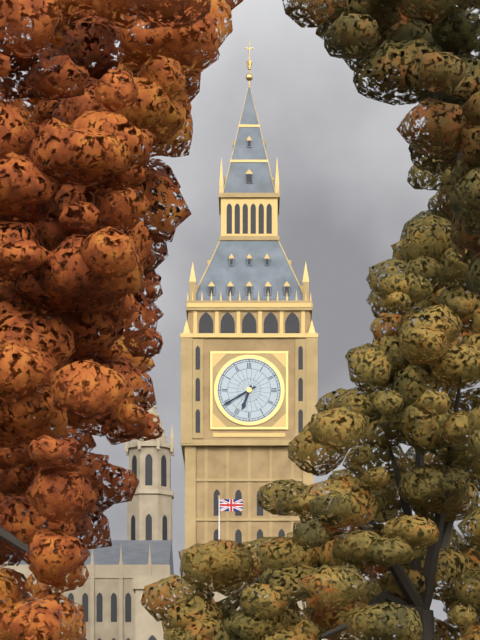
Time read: 6:40
